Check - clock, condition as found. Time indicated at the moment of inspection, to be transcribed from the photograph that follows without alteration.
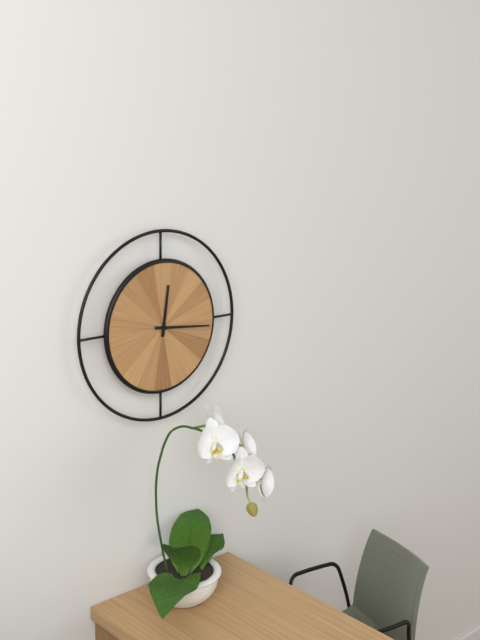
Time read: 12:16
